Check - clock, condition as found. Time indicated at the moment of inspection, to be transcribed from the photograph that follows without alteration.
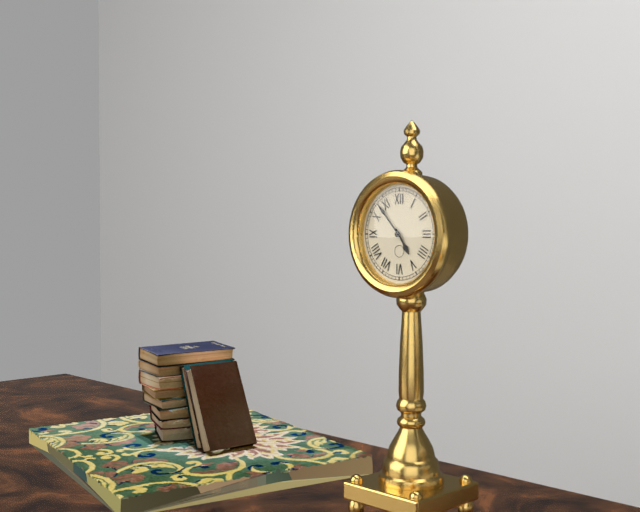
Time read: 4:53
